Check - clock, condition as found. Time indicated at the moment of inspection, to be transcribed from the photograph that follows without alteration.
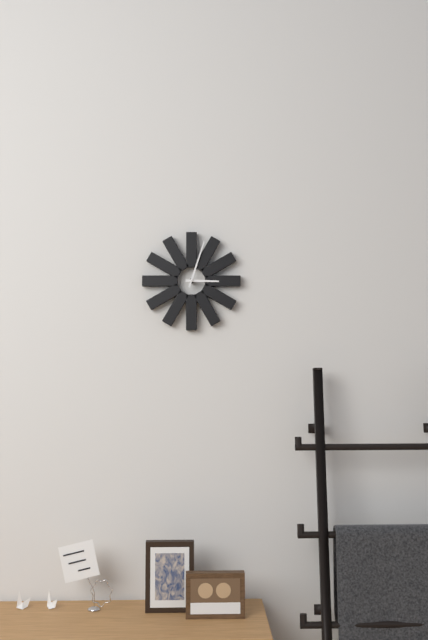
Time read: 3:03
